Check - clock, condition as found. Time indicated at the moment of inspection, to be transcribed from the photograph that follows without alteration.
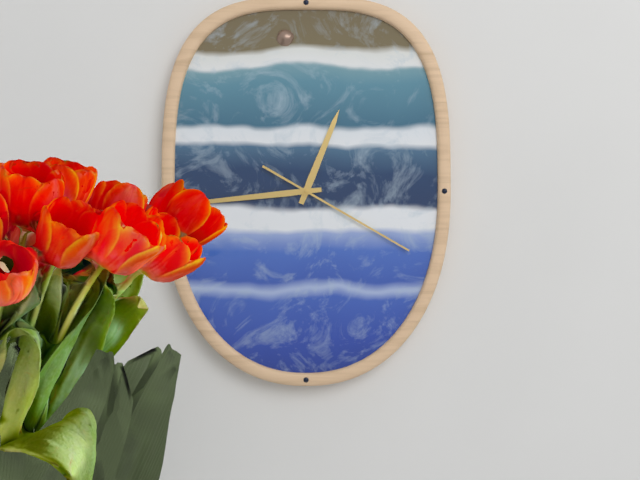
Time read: 12:44:20
